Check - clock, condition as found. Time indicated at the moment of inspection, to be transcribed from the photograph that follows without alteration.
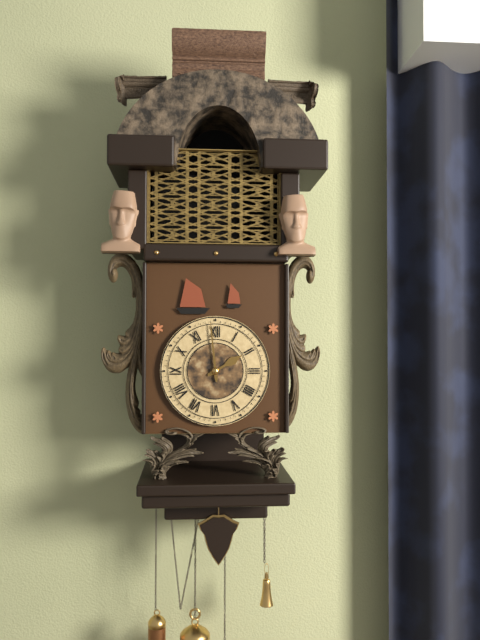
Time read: 1:59
